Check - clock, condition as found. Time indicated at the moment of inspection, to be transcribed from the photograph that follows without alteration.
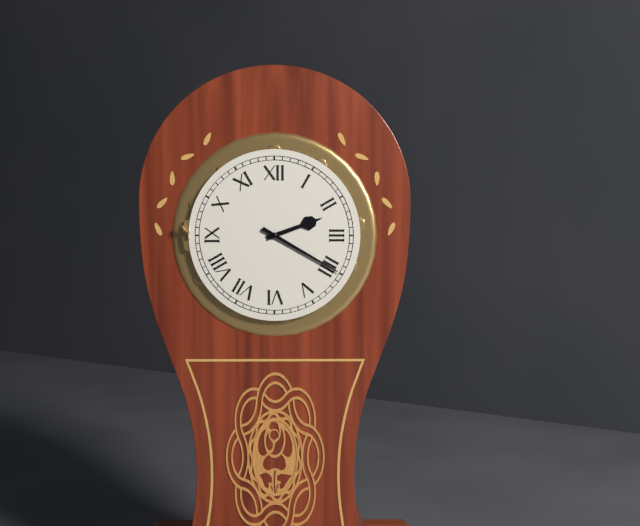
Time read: 2:20
